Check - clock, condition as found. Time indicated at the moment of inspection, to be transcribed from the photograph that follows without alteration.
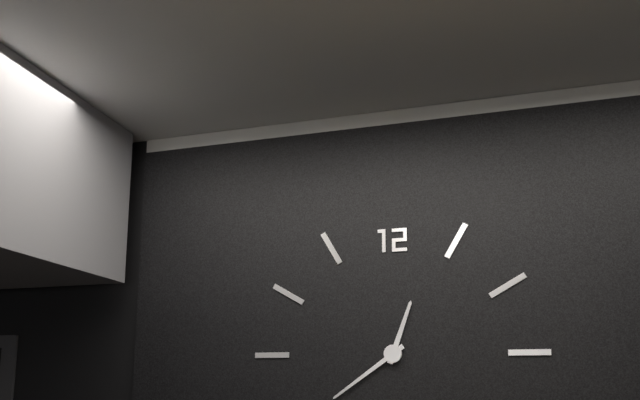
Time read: 12:39
